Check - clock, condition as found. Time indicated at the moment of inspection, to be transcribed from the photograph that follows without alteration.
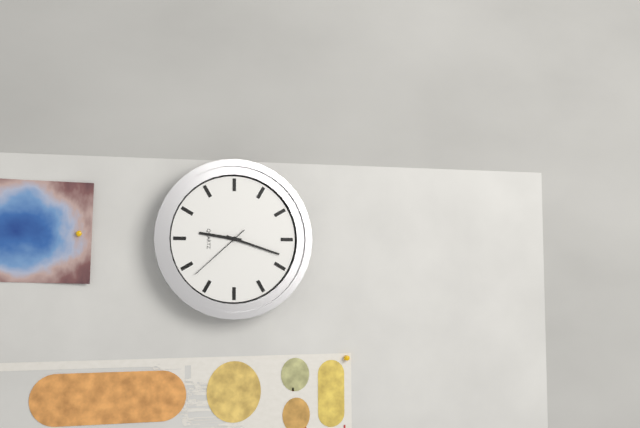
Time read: 9:18:38
